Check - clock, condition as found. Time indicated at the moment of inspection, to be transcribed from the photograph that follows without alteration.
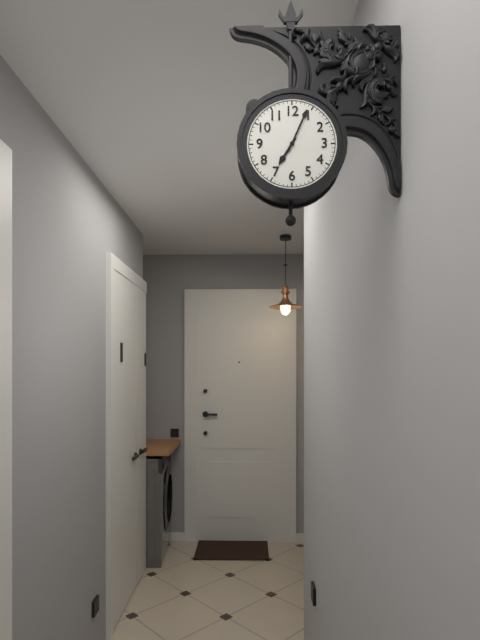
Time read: 7:04
